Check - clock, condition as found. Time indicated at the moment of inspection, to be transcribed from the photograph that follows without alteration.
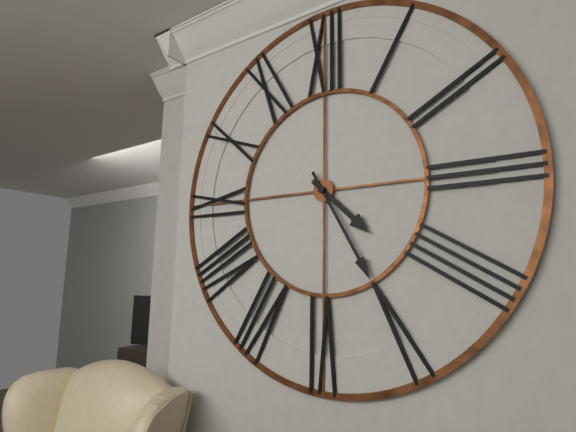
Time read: 4:25
